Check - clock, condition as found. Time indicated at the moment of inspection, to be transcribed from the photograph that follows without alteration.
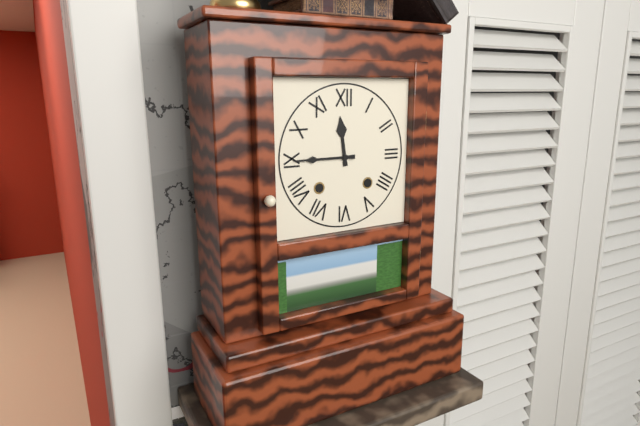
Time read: 11:45
